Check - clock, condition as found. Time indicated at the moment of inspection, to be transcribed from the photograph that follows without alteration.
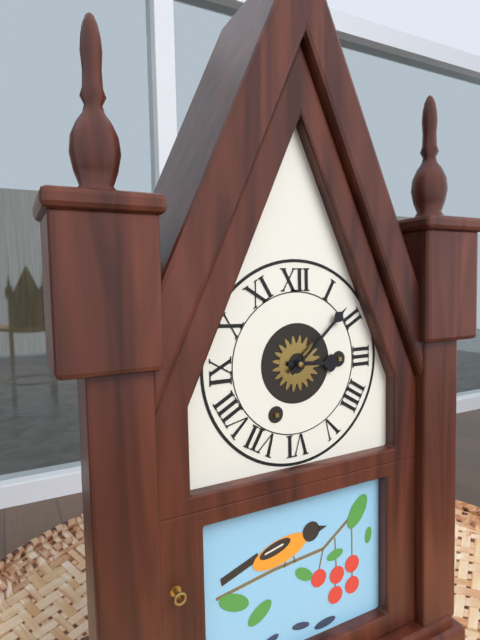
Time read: 3:08
